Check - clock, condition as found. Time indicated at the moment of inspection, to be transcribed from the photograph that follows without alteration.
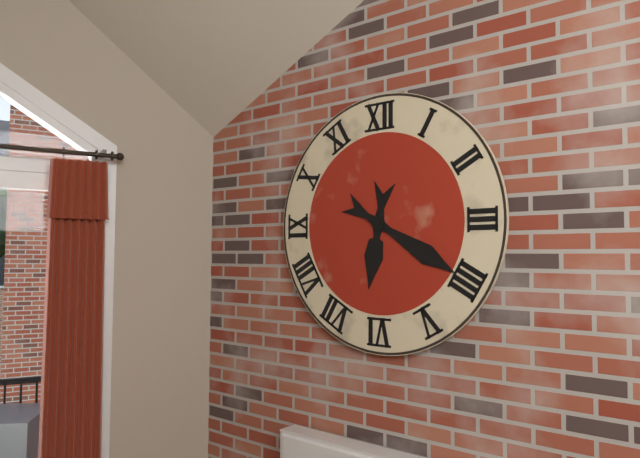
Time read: 6:20
